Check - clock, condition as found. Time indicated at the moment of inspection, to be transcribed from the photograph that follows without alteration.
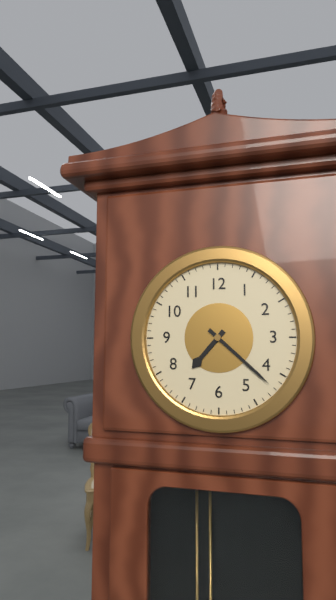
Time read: 7:22
